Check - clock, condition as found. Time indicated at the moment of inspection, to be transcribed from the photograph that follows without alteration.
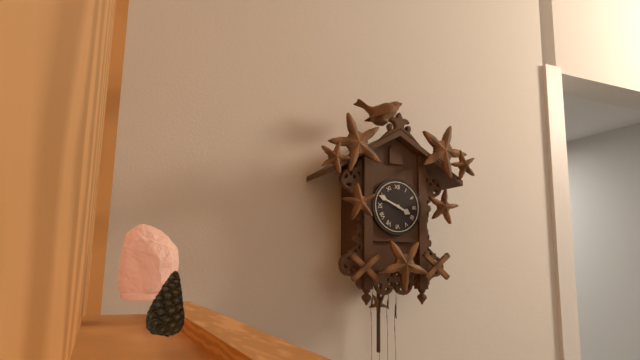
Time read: 3:49
